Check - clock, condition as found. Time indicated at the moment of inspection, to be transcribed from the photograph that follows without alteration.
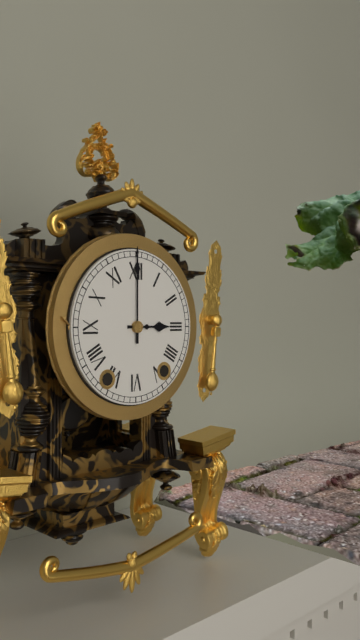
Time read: 3:00
